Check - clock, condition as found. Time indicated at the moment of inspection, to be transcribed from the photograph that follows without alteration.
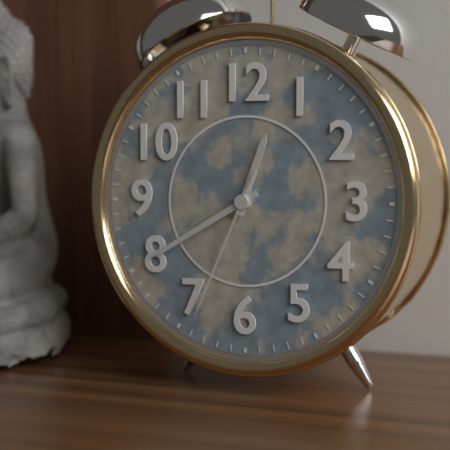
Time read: 12:40:34
